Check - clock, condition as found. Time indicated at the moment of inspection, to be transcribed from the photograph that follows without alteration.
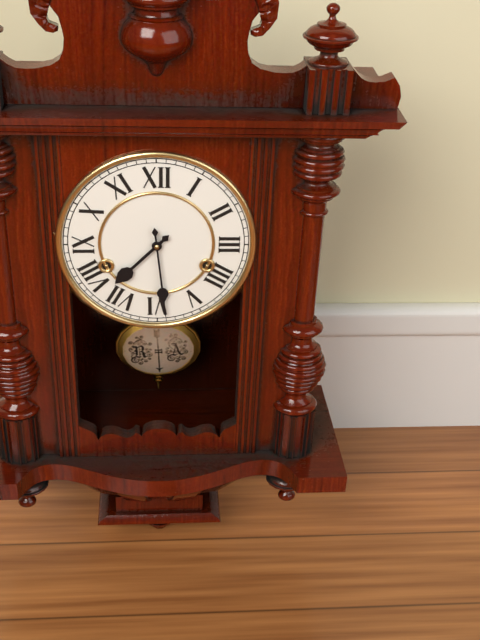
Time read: 7:29
